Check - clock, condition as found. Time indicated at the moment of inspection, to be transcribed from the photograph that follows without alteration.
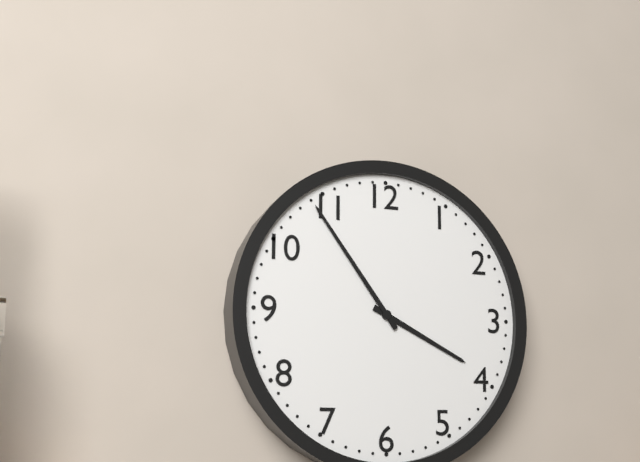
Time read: 3:54
